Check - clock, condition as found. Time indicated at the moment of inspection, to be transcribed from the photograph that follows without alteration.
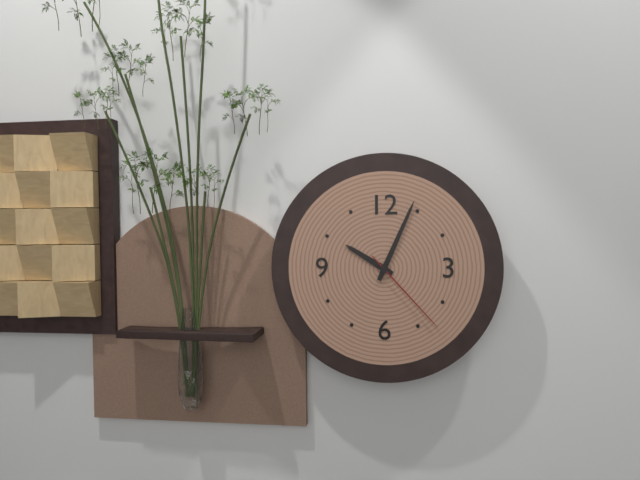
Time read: 10:04:23
